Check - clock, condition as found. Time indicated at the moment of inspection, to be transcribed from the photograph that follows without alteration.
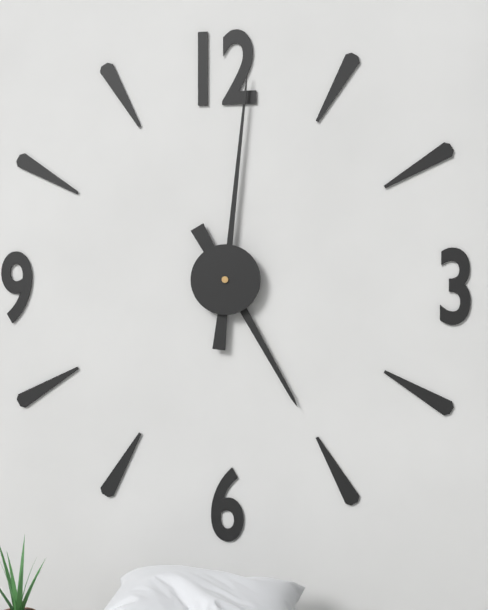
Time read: 5:01
